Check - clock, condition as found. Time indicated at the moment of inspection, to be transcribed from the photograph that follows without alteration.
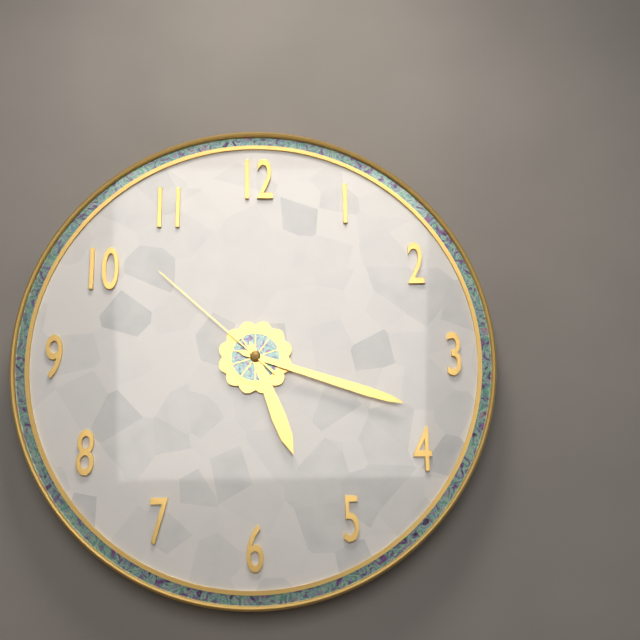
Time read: 5:18:52
